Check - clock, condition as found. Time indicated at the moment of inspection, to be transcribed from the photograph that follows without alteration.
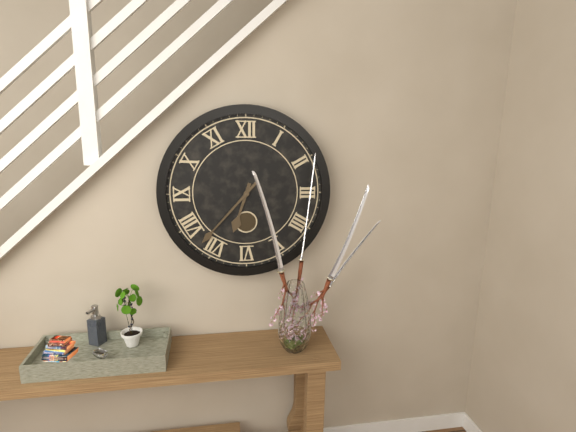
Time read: 6:37
